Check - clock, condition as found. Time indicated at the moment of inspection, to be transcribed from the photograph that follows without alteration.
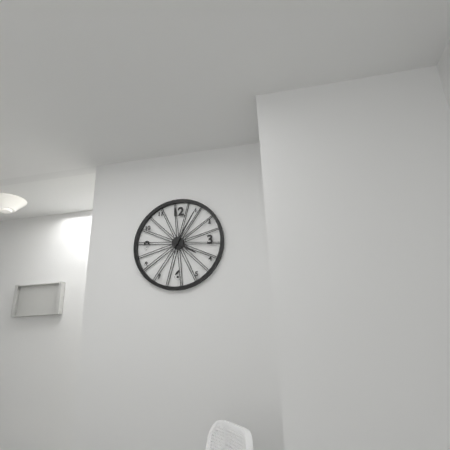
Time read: 4:05
